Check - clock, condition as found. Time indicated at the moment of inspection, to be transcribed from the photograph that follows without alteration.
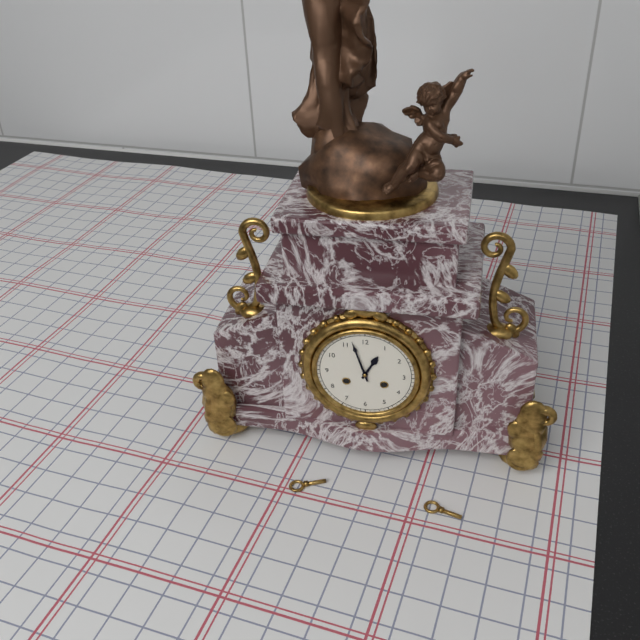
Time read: 12:57
